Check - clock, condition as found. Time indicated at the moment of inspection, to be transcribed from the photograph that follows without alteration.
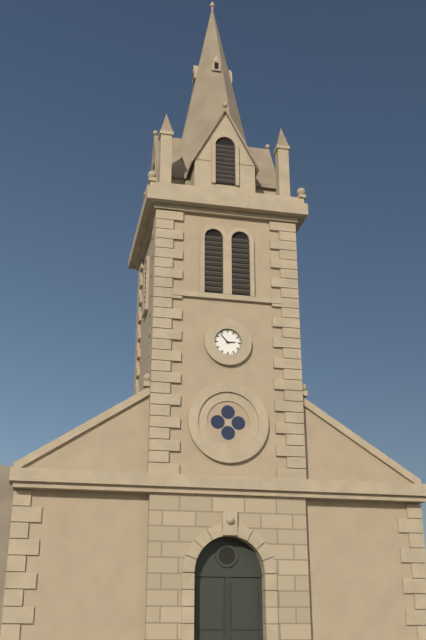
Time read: 2:53
